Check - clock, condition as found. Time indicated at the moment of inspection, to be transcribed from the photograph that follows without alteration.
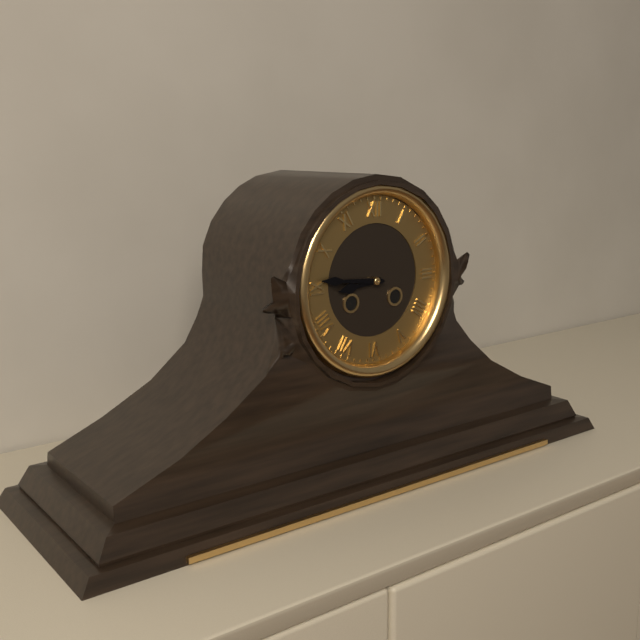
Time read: 8:46
